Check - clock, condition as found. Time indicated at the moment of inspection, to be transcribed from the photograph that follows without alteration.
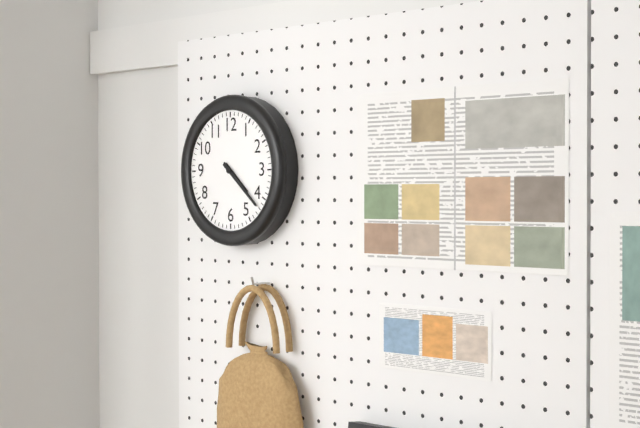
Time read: 4:22
